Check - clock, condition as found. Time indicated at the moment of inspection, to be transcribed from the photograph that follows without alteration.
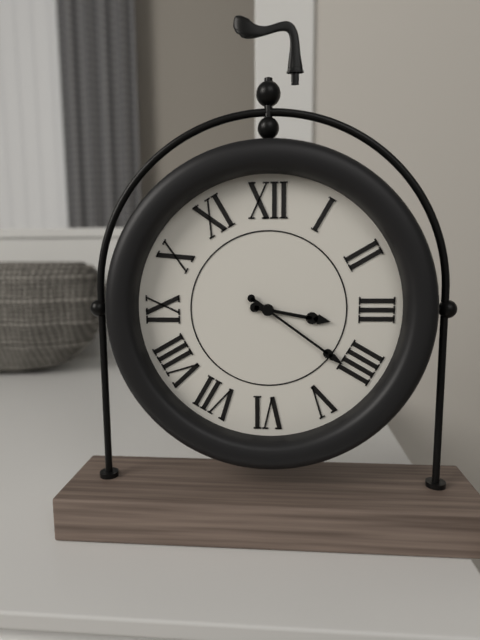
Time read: 3:21
